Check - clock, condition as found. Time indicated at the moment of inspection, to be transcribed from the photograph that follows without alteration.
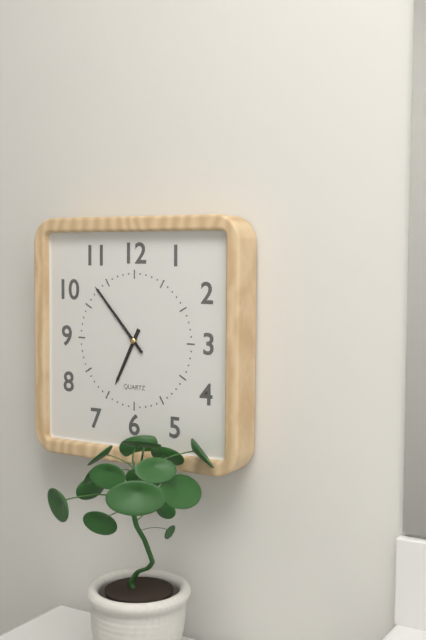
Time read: 6:53
